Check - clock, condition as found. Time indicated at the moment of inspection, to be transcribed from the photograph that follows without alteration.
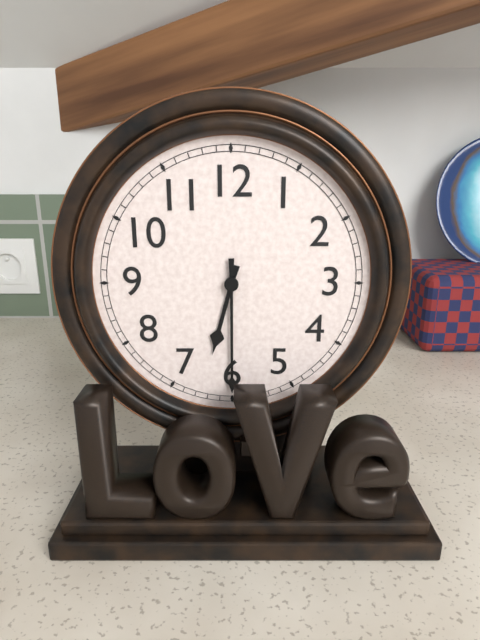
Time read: 6:30
